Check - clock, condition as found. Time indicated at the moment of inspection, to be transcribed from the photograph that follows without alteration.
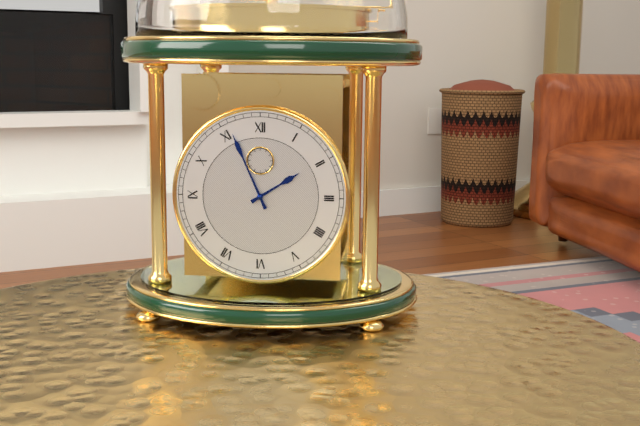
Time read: 1:56
